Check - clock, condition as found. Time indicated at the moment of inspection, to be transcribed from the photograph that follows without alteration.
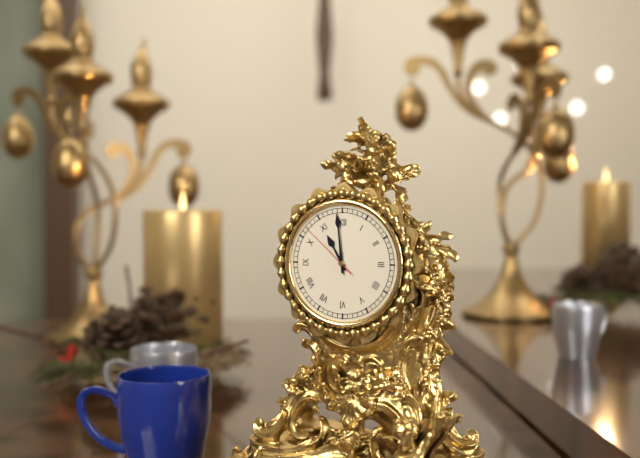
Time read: 10:59:52
